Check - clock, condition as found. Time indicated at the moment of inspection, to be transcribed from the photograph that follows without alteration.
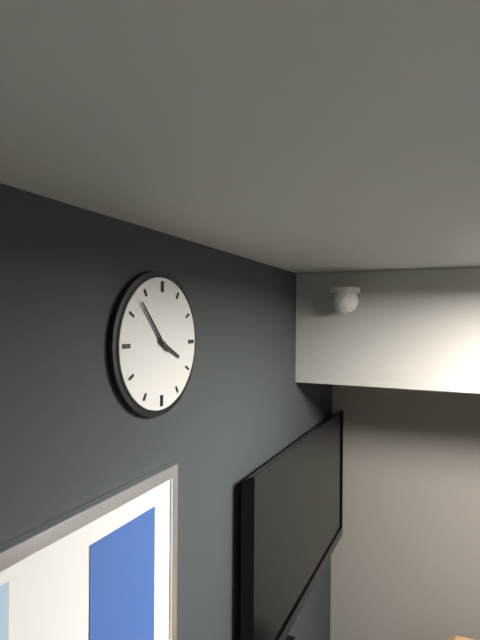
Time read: 3:53
